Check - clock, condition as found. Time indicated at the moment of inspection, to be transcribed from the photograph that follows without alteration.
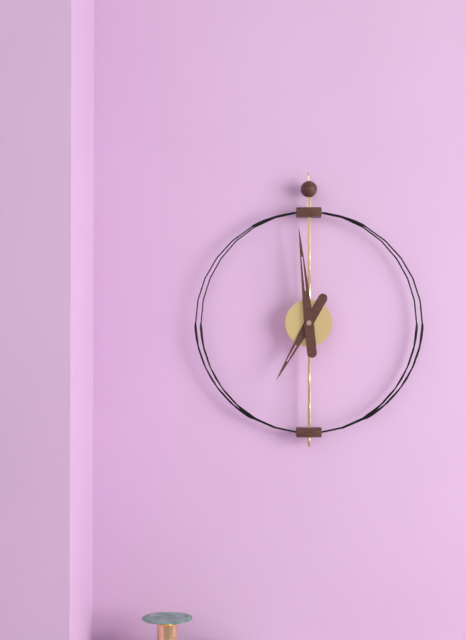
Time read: 6:59
